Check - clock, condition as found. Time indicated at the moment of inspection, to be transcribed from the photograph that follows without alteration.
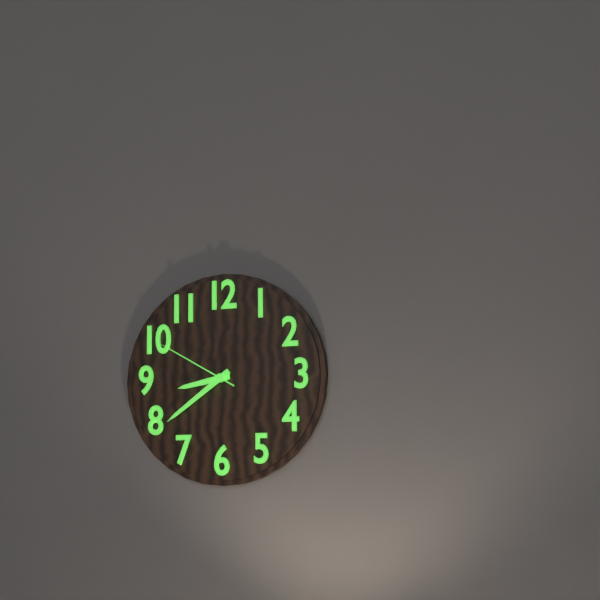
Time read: 8:39:50
